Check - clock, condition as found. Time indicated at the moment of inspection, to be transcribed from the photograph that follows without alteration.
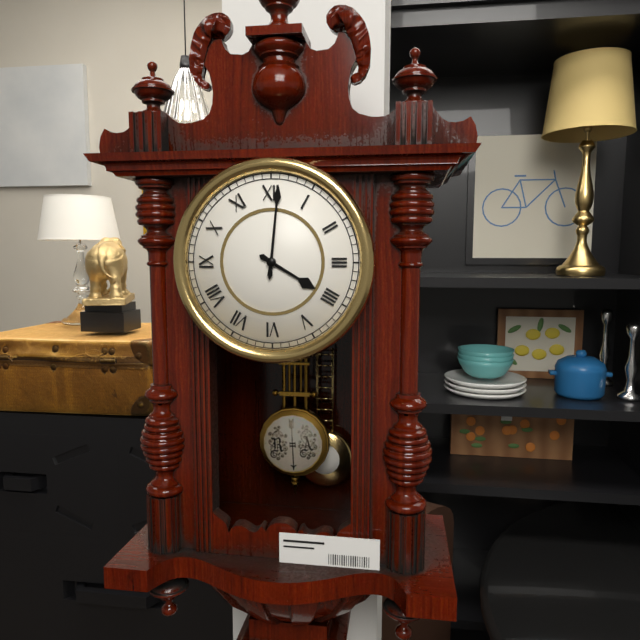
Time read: 4:01
